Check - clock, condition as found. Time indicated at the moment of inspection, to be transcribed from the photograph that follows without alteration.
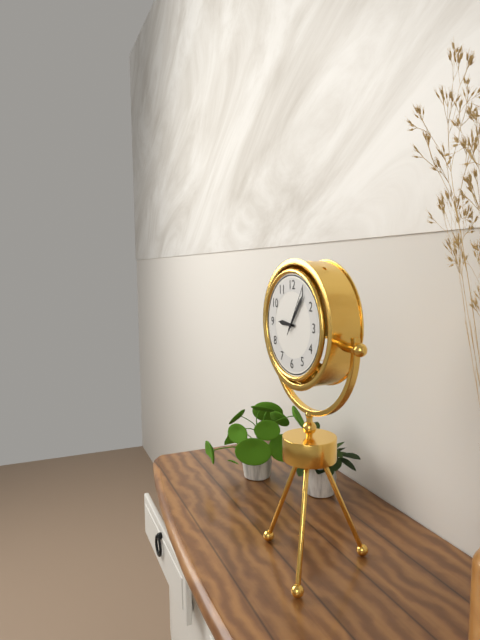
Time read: 9:06:05
